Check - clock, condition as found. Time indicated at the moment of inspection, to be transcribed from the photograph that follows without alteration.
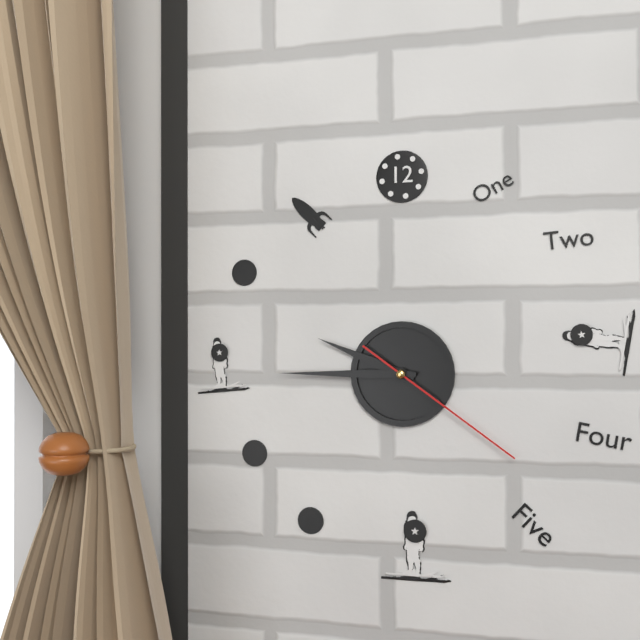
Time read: 9:45:21
